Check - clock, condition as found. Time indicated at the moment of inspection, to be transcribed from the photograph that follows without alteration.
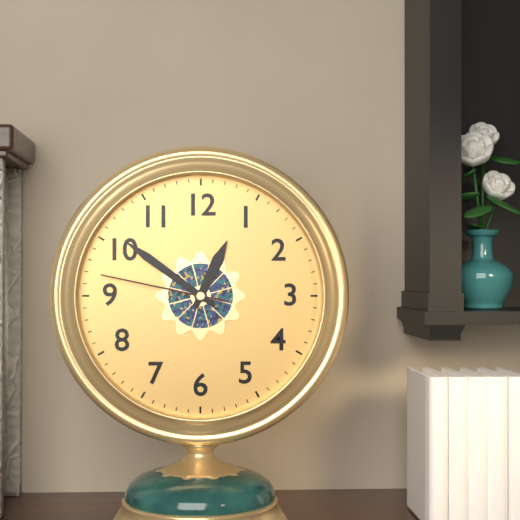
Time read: 12:51:47
